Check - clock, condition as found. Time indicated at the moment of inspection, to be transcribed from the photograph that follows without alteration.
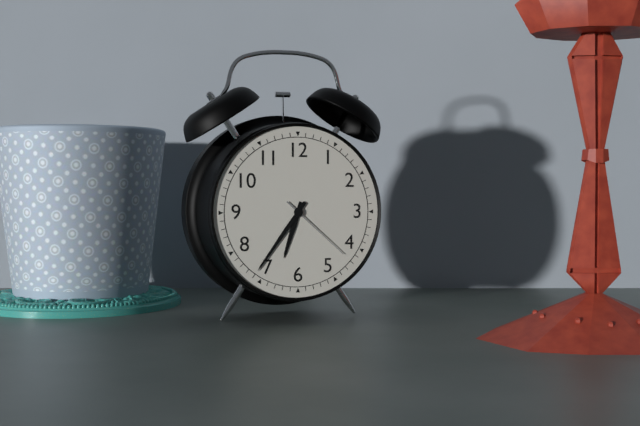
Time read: 6:36:22
